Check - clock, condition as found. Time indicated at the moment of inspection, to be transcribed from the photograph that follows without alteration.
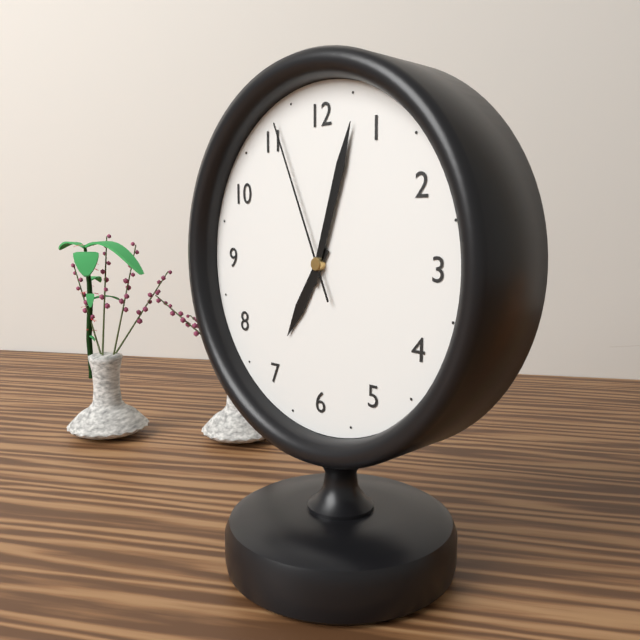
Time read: 7:03:56
